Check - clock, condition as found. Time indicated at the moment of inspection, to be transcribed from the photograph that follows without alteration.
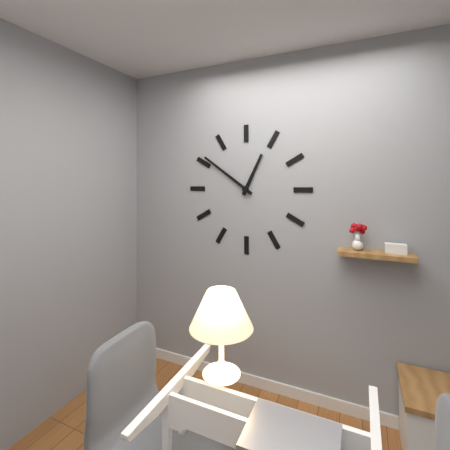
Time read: 12:51
